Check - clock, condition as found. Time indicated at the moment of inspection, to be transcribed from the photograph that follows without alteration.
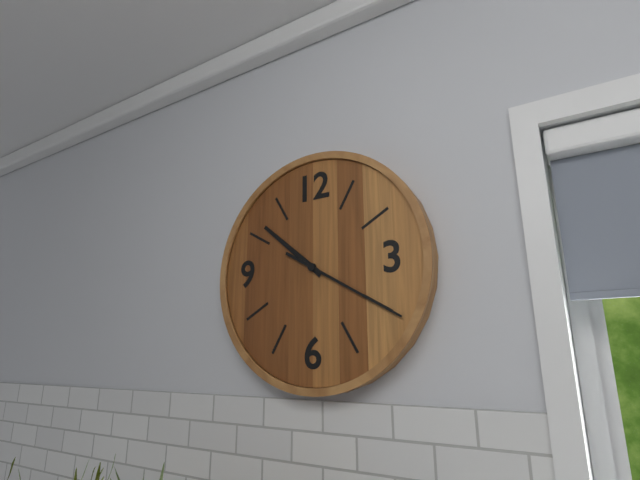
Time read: 10:20
